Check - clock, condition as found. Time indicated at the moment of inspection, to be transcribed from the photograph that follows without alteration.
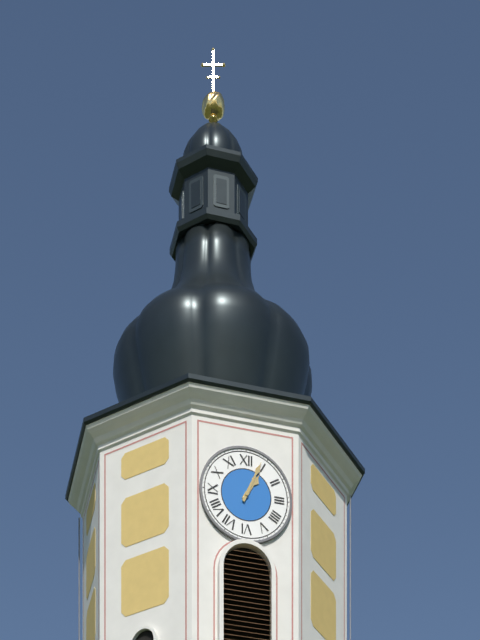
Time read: 1:04
